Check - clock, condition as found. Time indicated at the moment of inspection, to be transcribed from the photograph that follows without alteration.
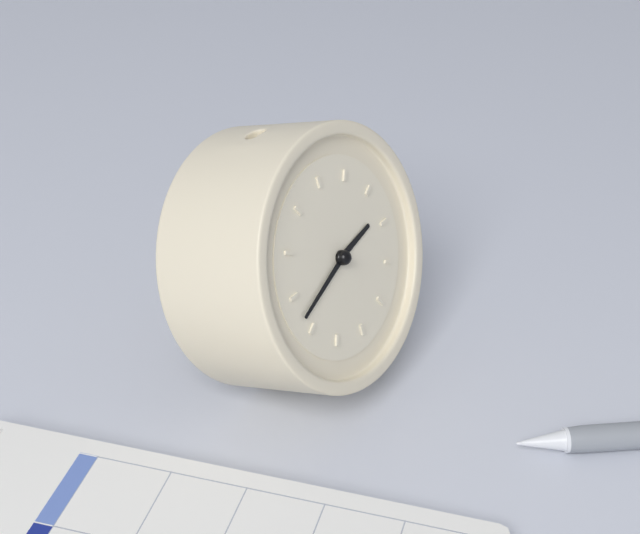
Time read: 2:42
